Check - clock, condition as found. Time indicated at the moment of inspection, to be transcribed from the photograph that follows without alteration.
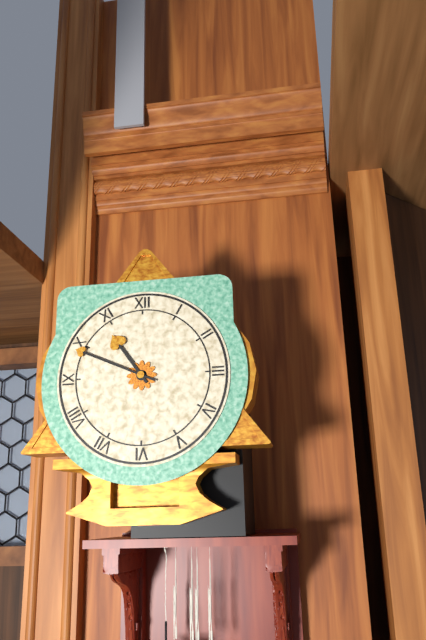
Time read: 10:49
